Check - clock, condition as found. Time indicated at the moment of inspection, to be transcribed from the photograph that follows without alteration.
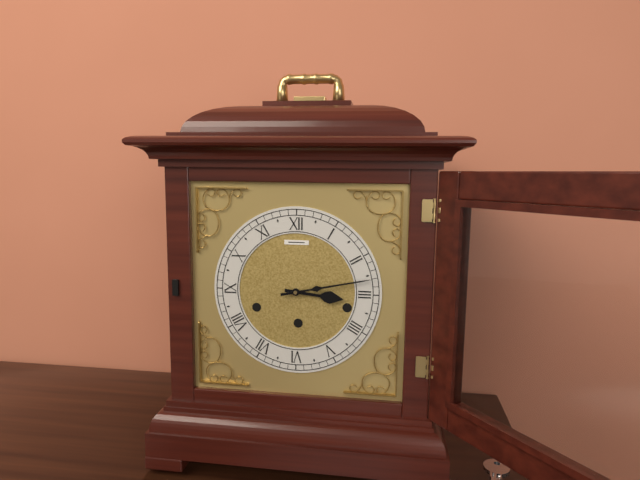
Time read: 3:13
